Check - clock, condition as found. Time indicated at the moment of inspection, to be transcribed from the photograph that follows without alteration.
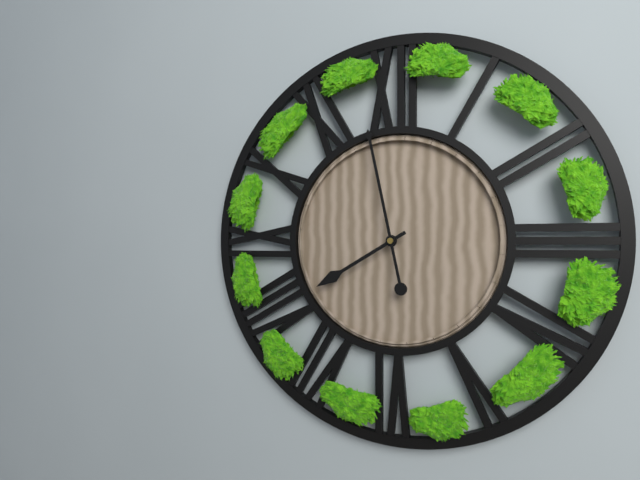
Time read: 7:58
